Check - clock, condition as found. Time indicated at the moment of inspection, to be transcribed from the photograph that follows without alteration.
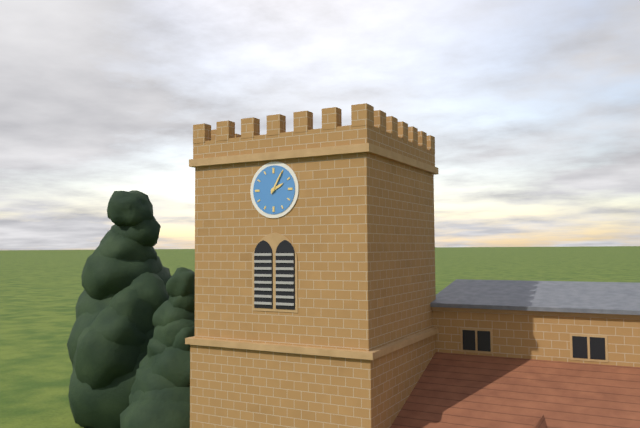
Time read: 2:05
